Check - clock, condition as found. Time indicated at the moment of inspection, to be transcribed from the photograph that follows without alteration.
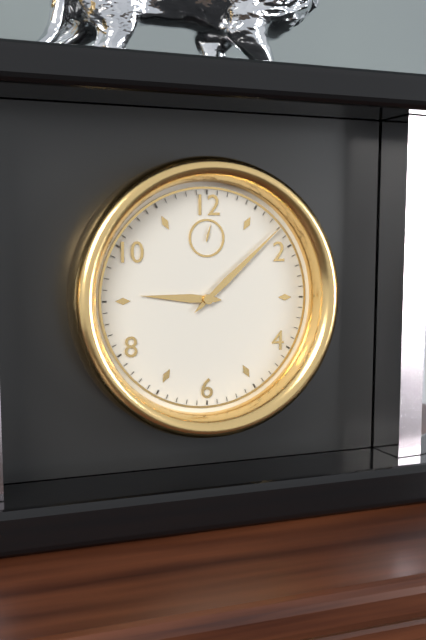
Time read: 9:08
